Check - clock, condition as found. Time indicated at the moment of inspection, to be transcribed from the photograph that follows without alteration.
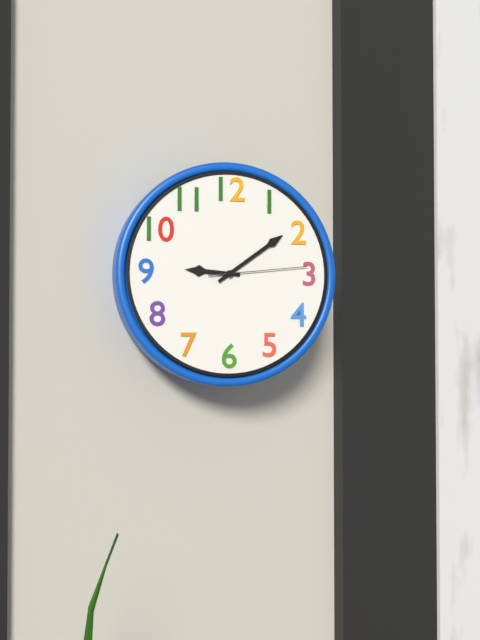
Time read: 9:09:14
